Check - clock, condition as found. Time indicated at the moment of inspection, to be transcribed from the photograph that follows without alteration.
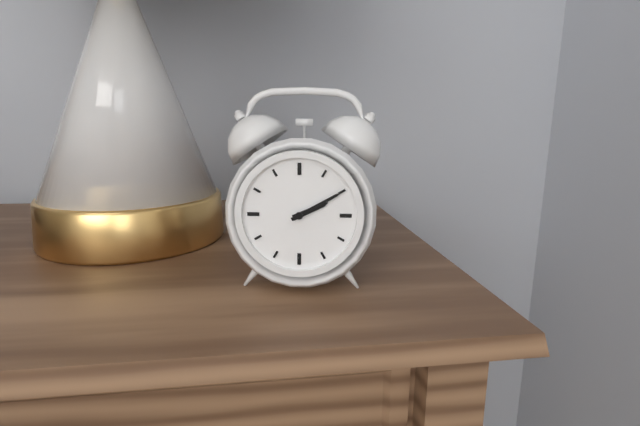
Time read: 2:10
